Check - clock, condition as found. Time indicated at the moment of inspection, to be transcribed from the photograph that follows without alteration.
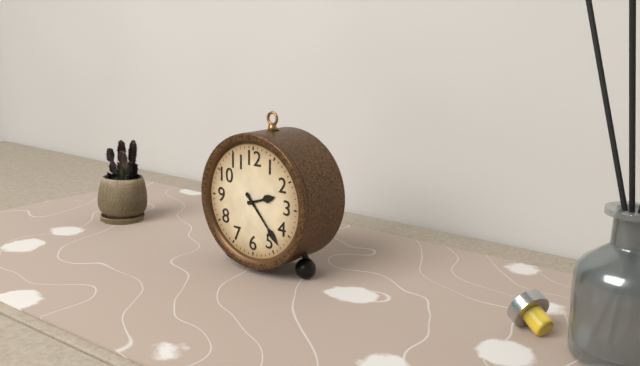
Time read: 2:23
